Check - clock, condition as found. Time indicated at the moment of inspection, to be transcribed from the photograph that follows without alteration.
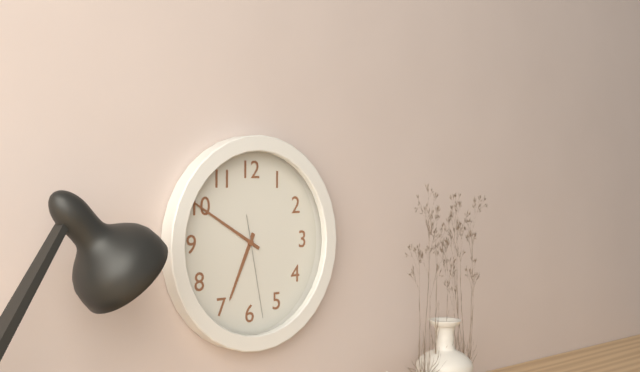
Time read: 6:50:28
